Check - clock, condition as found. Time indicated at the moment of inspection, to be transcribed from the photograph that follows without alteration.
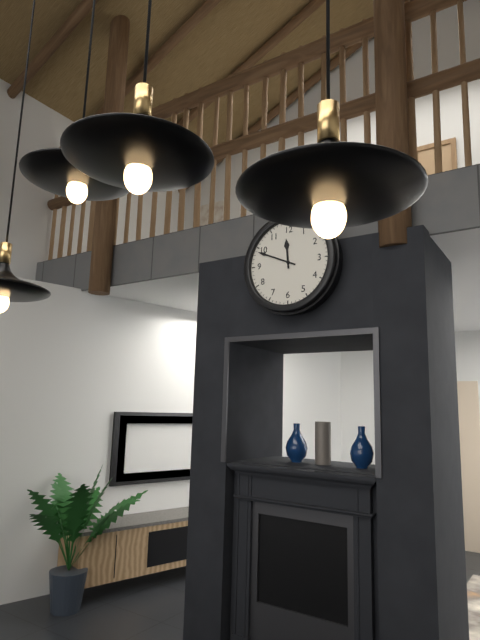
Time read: 11:49
